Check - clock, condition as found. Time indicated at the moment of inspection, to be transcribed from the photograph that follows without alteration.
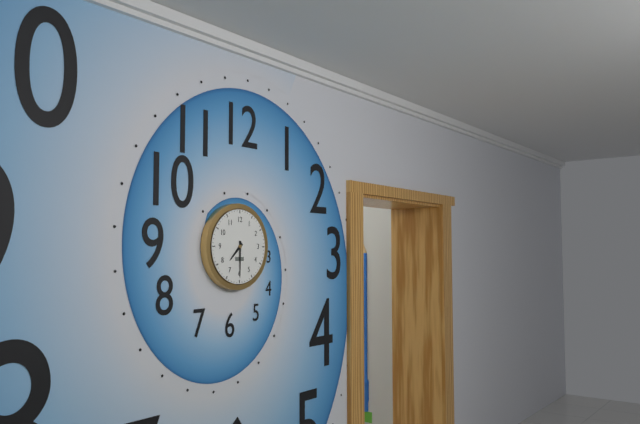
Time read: 7:30
